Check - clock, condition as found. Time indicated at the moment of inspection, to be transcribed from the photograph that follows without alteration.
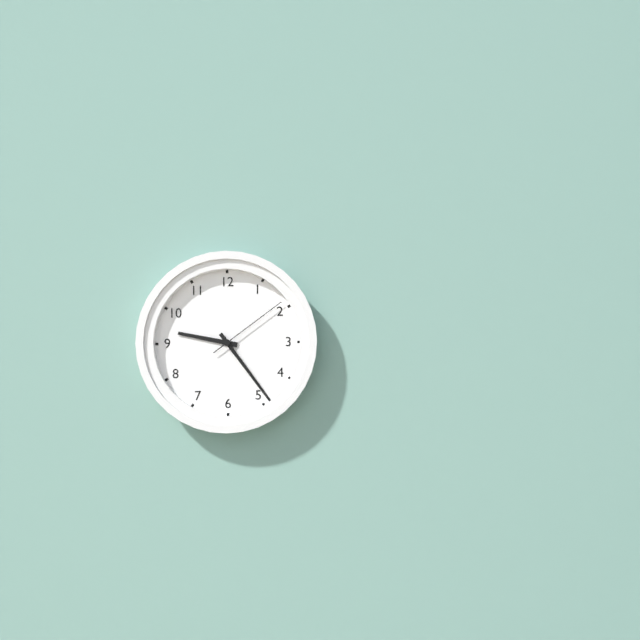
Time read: 9:24:09
